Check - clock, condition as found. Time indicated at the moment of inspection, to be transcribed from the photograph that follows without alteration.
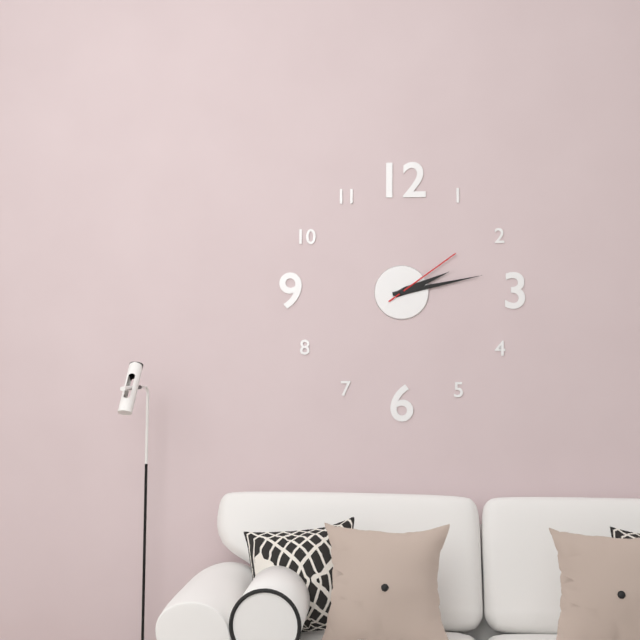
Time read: 2:13:09
